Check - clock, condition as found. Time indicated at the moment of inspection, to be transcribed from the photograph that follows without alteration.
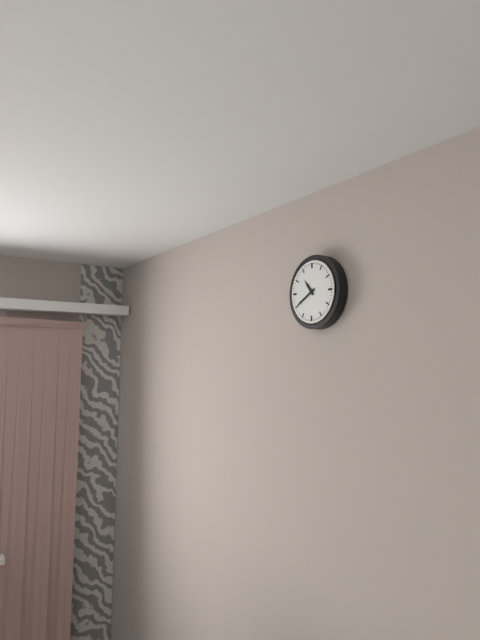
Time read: 10:40
